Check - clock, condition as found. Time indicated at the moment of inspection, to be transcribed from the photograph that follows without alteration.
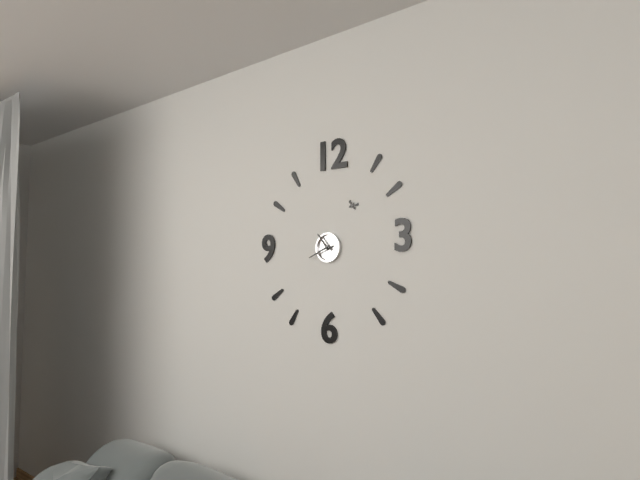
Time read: 10:41
